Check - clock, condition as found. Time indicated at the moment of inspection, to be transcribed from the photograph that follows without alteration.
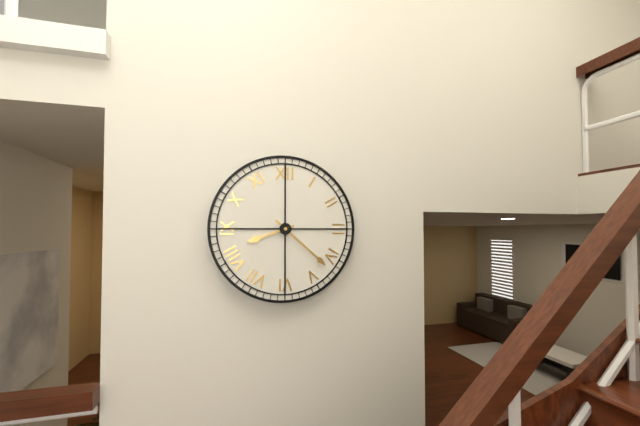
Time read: 8:22
